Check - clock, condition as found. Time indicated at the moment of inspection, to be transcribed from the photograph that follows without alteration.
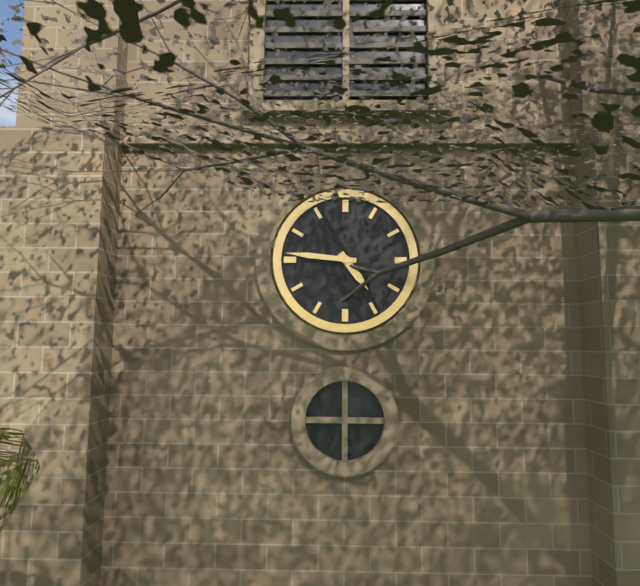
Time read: 4:46
